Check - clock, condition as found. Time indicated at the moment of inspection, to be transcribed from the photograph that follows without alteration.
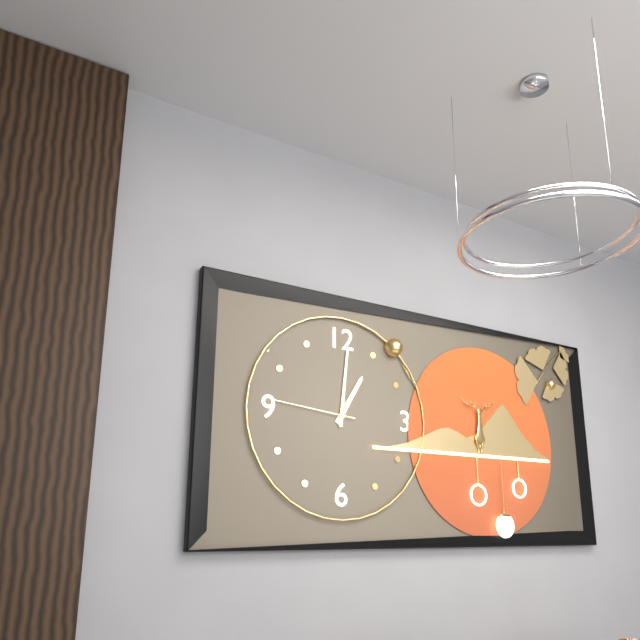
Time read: 1:01:46
